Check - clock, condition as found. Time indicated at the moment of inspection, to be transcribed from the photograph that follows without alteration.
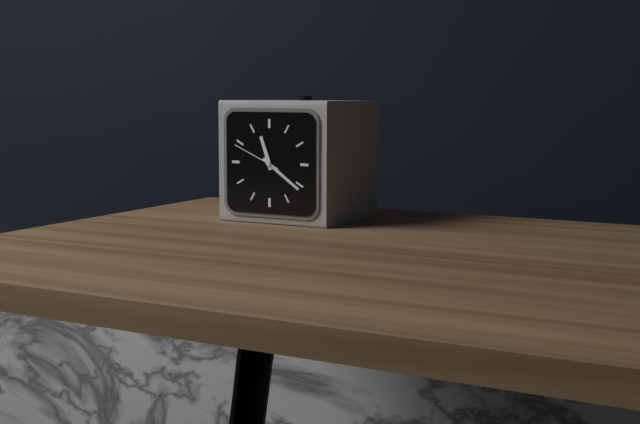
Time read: 11:21
